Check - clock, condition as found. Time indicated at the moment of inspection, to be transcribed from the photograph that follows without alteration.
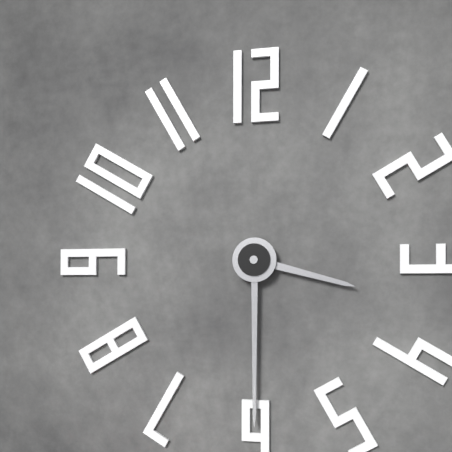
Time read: 3:30
